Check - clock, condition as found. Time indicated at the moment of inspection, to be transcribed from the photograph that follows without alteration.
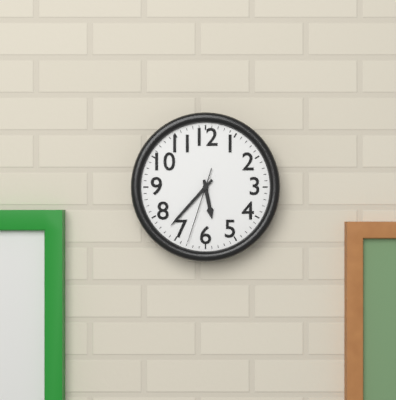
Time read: 5:37:33
